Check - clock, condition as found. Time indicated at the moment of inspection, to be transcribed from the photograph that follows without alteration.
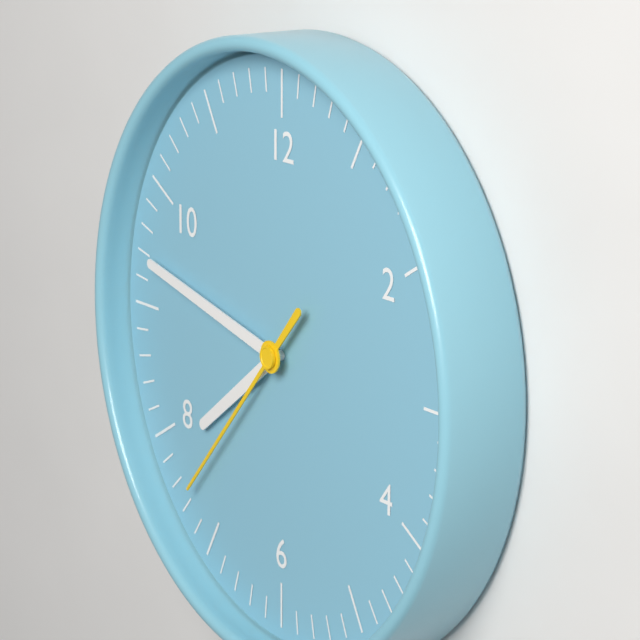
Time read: 7:47:37
